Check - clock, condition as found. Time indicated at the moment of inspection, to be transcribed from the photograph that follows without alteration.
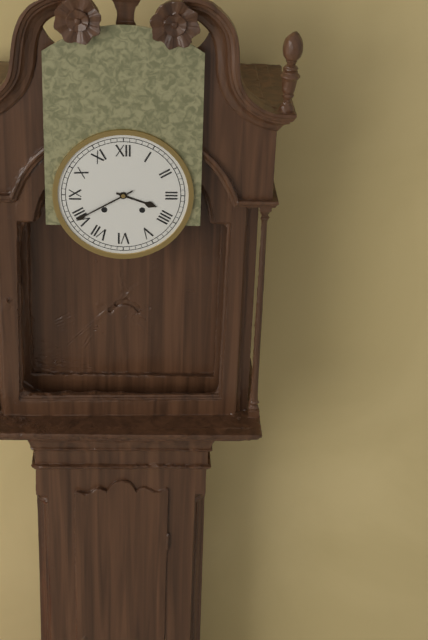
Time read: 3:40
